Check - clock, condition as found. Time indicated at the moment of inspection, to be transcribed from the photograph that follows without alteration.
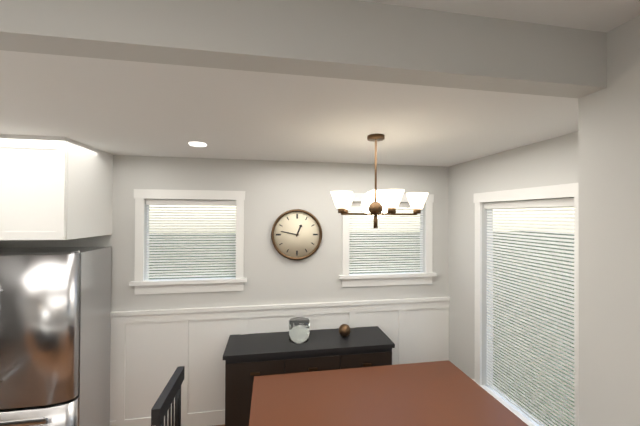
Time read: 12:47
